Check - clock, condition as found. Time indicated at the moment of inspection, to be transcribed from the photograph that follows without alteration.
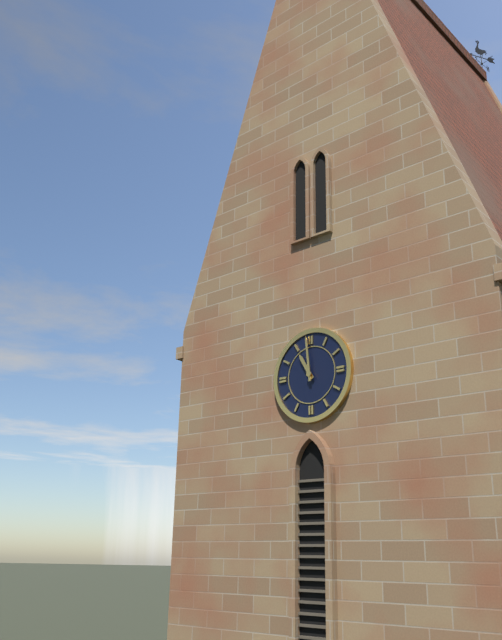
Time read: 10:59
